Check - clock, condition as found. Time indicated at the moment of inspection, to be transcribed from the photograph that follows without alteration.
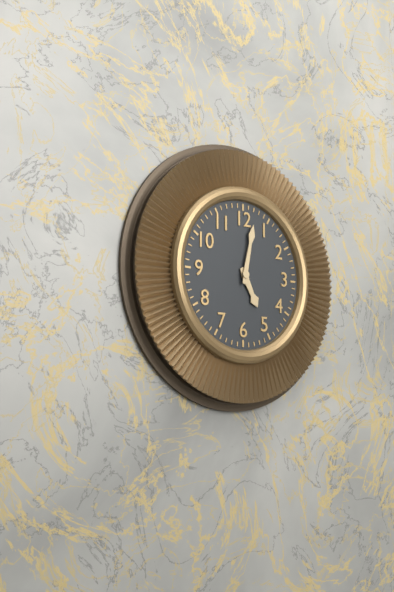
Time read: 5:02
